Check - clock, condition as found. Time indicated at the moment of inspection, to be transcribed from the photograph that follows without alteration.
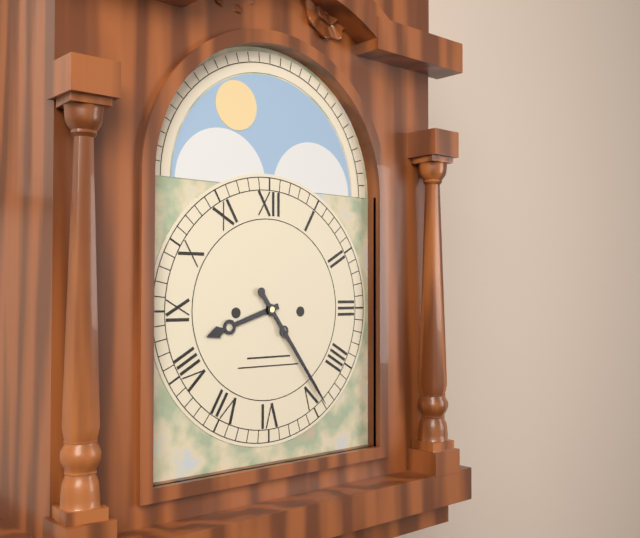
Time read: 8:24
